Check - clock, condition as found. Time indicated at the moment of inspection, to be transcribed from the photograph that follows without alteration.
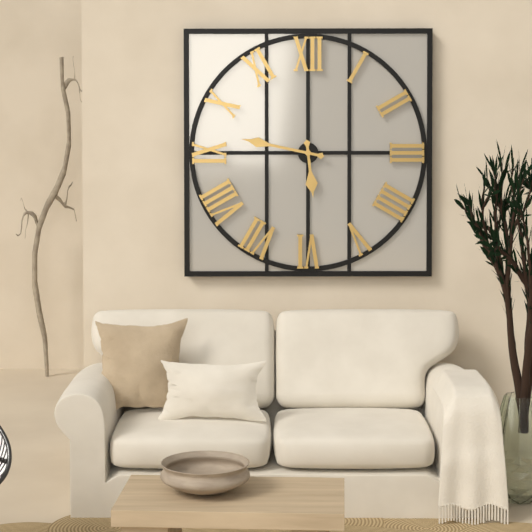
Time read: 5:47
